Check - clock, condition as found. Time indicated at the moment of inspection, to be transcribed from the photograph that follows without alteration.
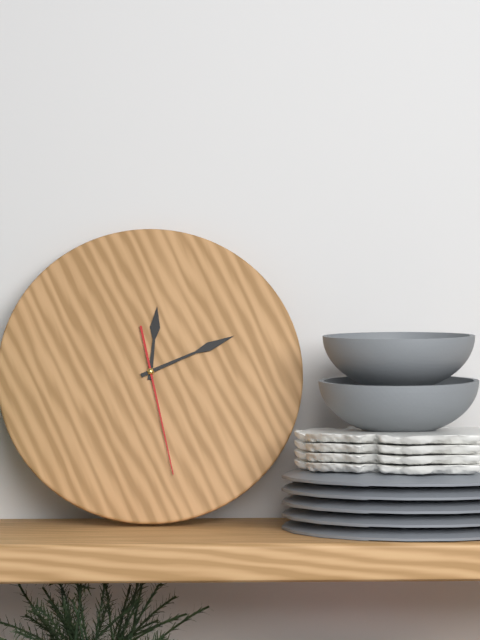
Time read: 12:11:28
